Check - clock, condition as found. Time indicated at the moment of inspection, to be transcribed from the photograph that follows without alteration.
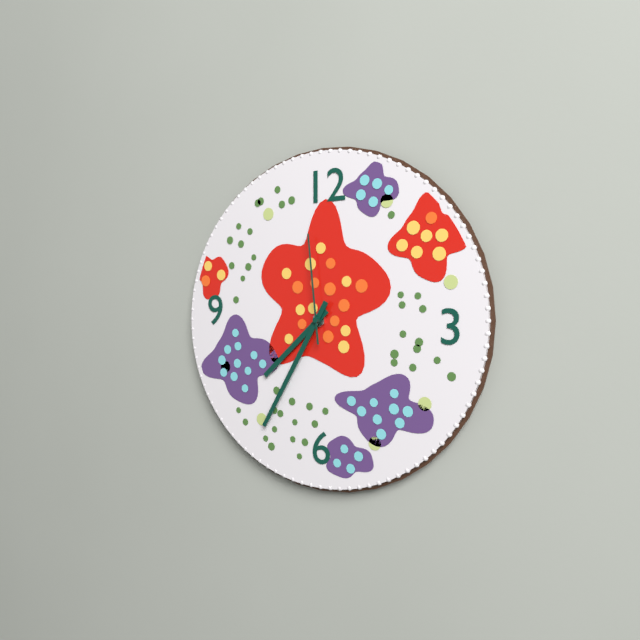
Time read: 7:35:59
